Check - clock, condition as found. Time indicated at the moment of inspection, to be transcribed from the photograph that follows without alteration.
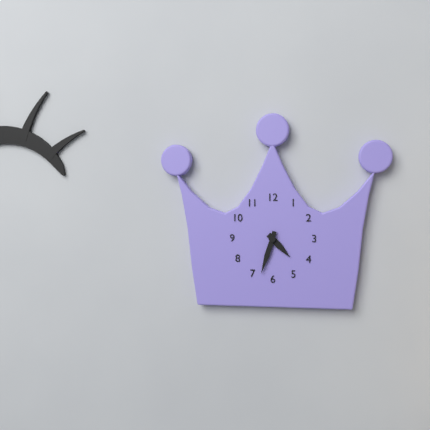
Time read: 4:33
